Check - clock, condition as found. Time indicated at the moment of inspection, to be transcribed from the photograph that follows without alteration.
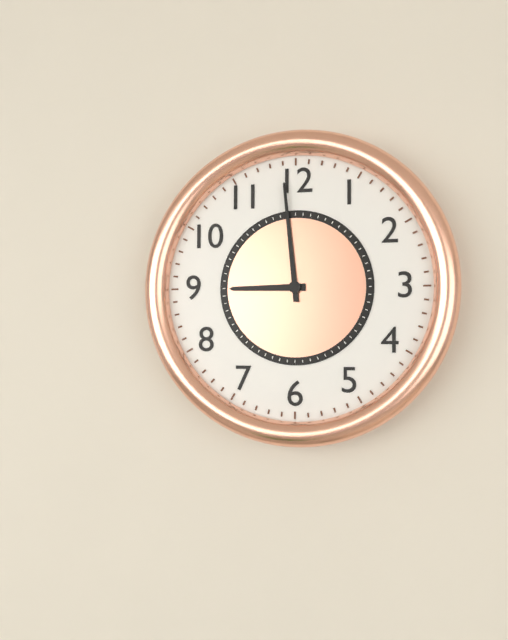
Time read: 8:59
